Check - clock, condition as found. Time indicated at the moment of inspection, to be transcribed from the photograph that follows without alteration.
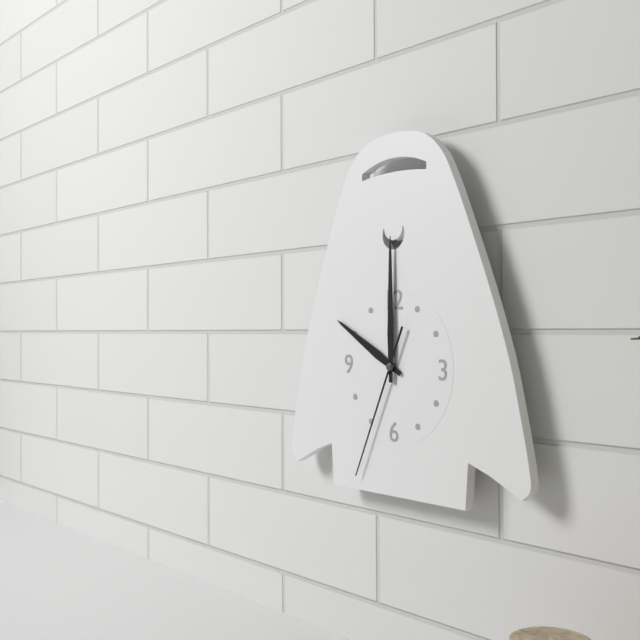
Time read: 10:00:34
